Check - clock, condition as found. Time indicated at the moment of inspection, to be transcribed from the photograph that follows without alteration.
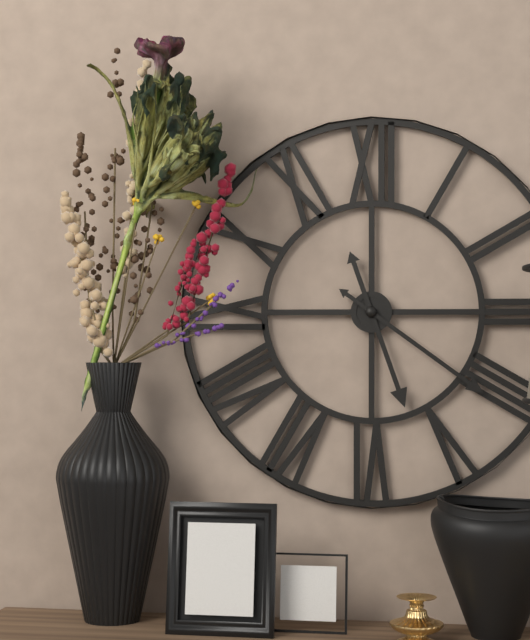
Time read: 5:21
